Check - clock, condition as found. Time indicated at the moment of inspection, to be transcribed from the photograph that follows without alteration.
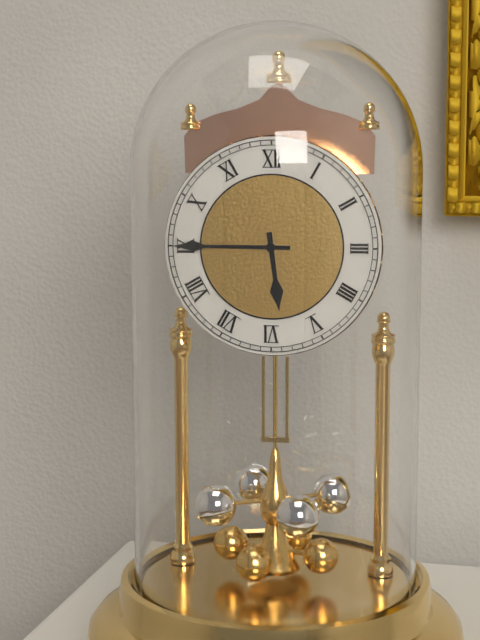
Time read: 5:45
